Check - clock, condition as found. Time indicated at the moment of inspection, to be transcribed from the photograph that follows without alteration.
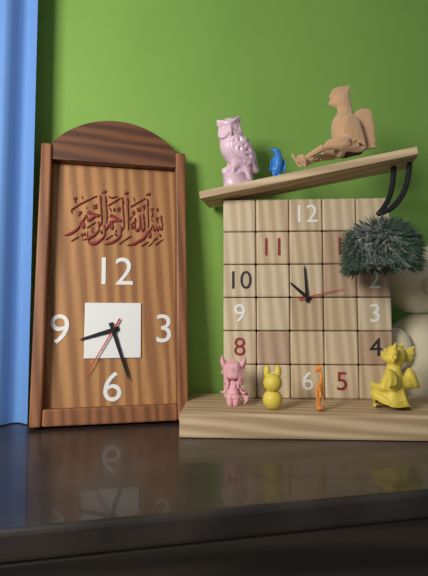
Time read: 8:27:35
